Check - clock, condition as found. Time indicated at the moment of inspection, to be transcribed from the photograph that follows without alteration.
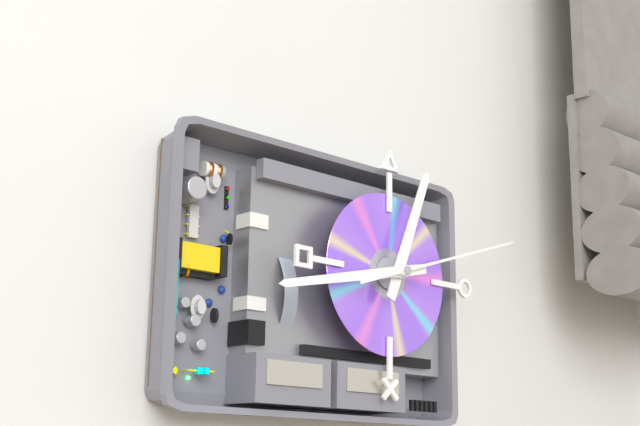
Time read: 12:43:12
